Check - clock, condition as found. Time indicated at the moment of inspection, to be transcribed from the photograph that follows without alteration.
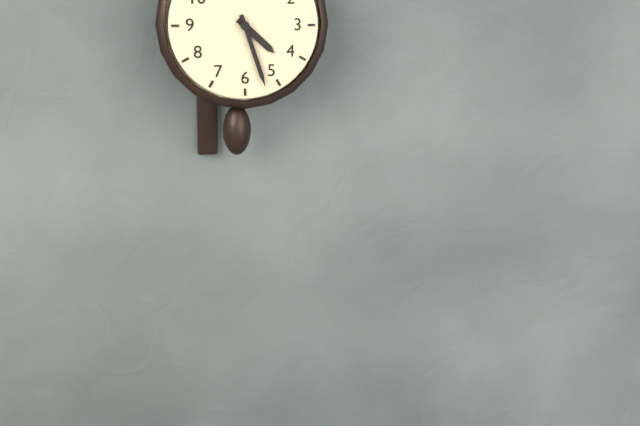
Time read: 4:27
